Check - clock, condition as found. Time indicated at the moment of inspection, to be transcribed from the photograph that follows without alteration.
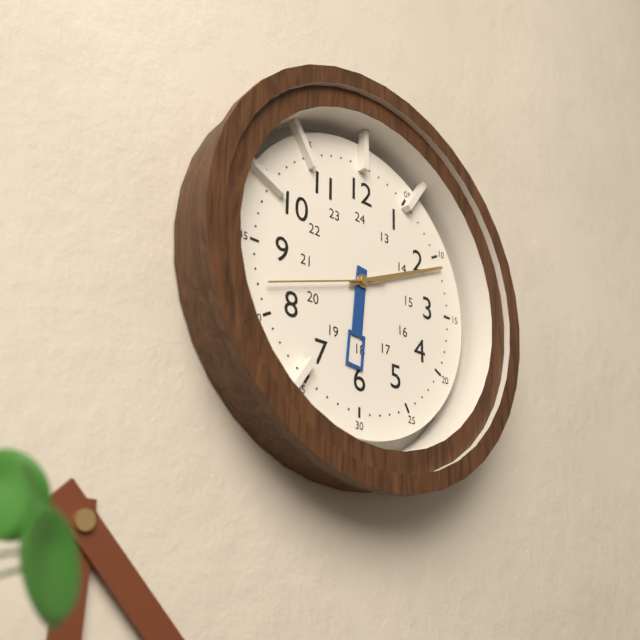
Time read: 6:11:42
